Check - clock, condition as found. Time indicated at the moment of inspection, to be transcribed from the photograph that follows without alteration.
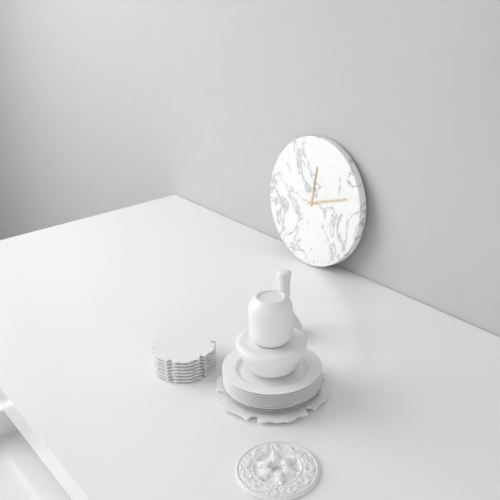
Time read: 12:12
